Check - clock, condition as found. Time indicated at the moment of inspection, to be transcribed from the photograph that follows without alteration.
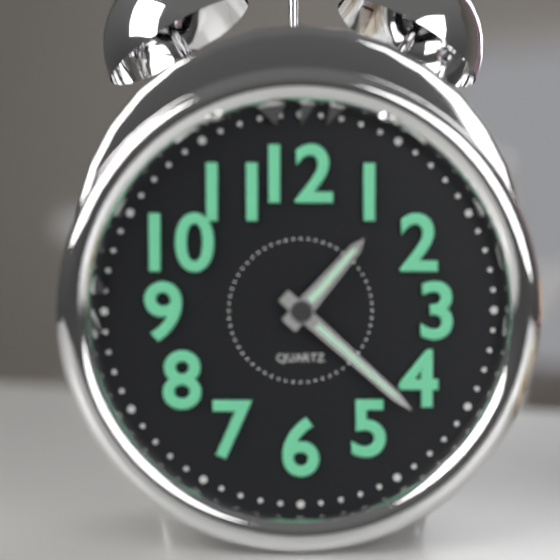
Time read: 1:22
